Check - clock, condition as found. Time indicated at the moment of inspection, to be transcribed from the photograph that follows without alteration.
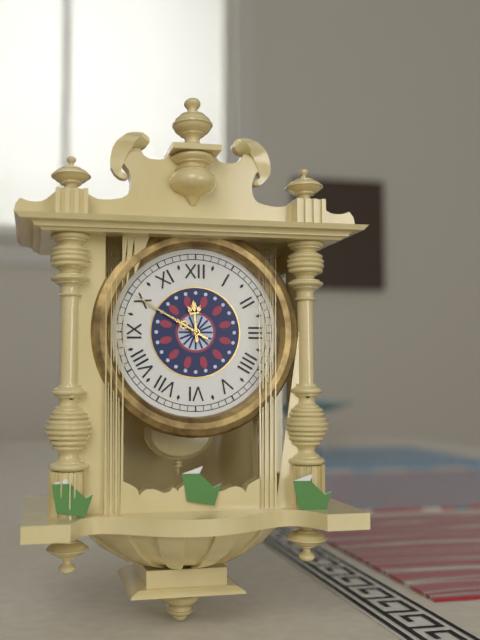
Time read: 11:50
